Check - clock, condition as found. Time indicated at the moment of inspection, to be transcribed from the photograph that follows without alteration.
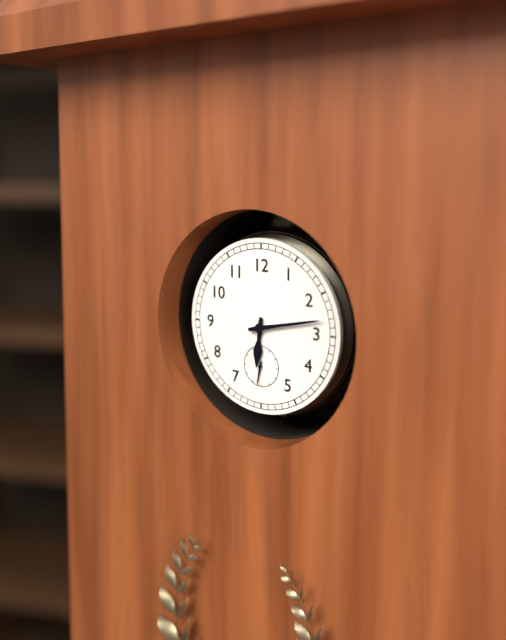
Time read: 6:13
